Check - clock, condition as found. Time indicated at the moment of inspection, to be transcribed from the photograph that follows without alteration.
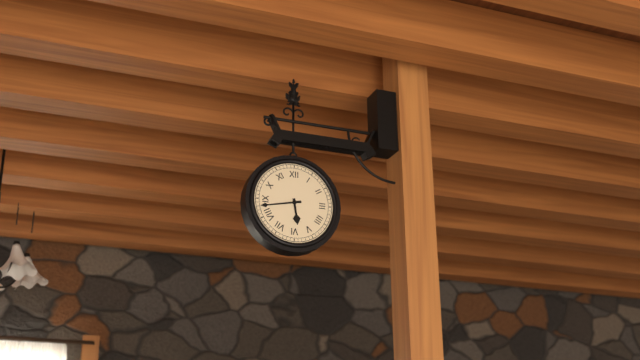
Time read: 5:43
